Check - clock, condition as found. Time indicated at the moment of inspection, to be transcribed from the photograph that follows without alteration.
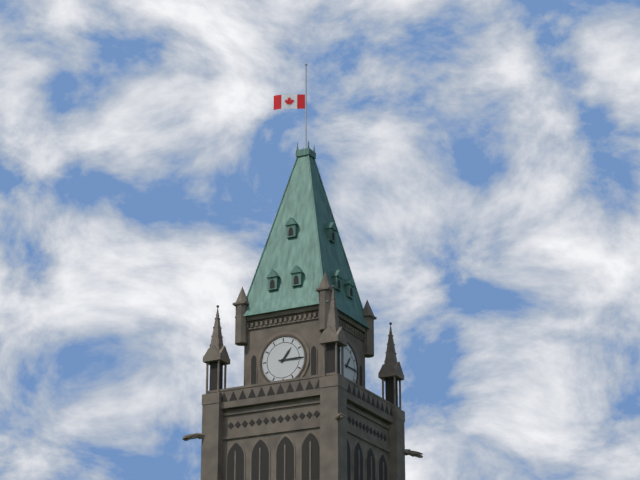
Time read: 1:15
